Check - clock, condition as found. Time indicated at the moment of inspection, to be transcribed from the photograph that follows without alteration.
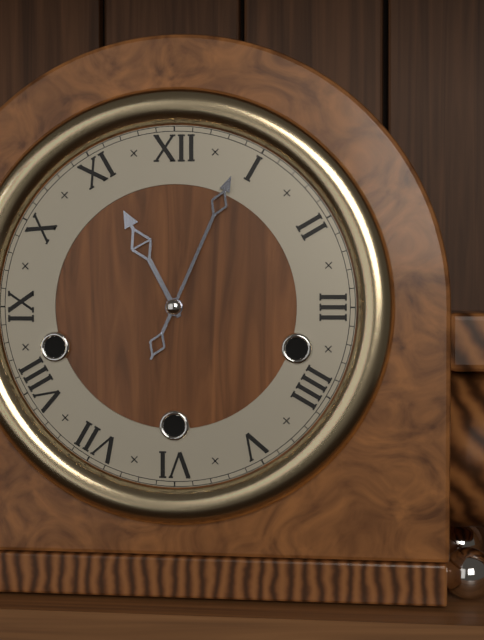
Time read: 11:04
